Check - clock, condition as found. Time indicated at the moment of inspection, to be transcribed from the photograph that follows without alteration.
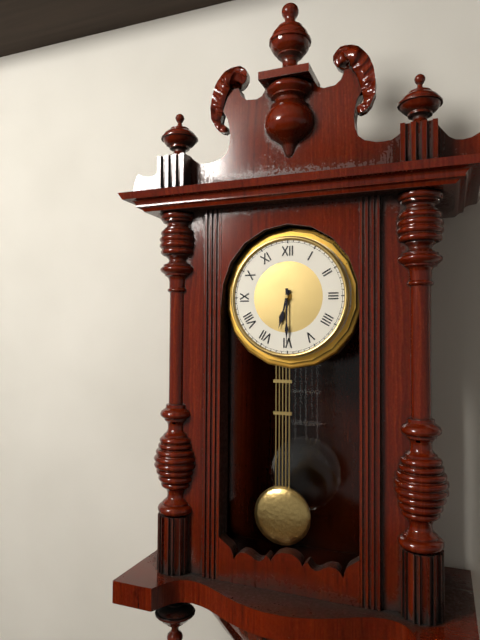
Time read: 6:30
